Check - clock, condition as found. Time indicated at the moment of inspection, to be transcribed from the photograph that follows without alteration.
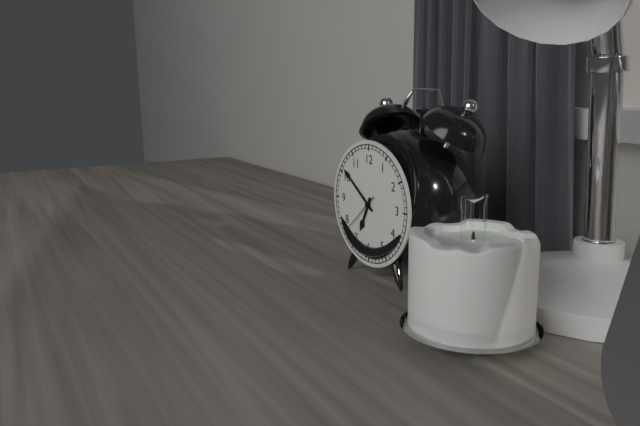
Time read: 6:51
